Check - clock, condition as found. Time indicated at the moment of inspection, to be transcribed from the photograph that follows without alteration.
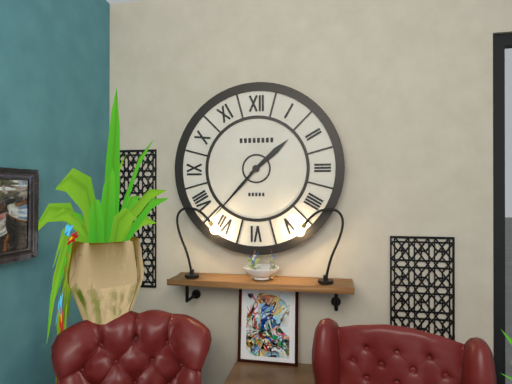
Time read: 1:37
